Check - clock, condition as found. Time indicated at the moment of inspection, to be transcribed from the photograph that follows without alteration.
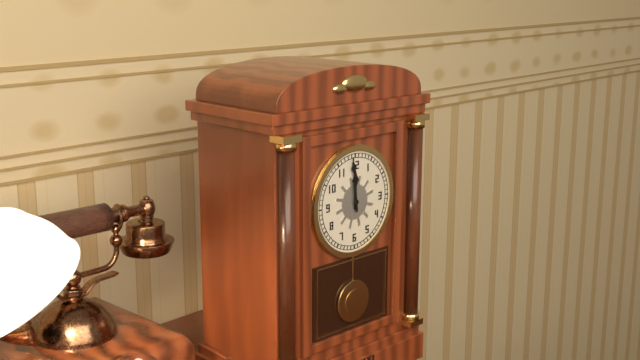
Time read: 11:59
